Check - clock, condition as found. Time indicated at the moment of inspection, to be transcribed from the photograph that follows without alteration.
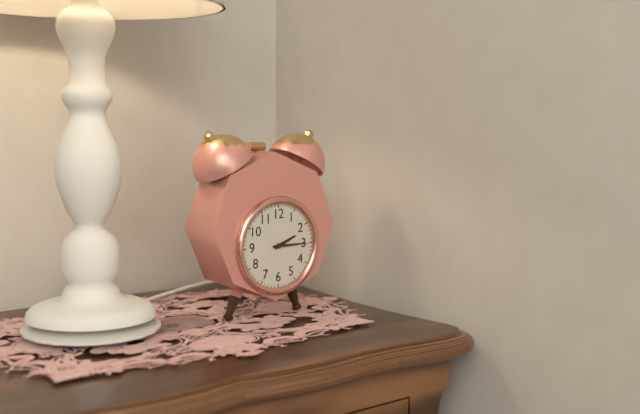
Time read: 2:15
